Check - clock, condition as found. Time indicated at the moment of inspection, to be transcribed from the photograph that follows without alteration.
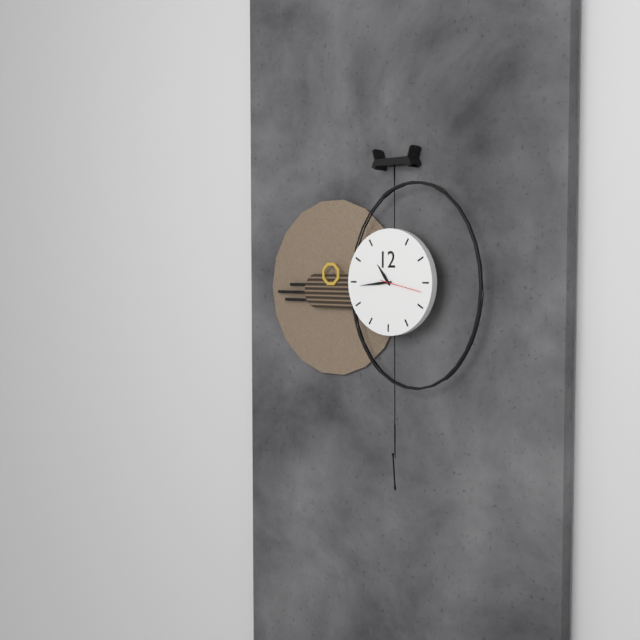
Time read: 10:44
